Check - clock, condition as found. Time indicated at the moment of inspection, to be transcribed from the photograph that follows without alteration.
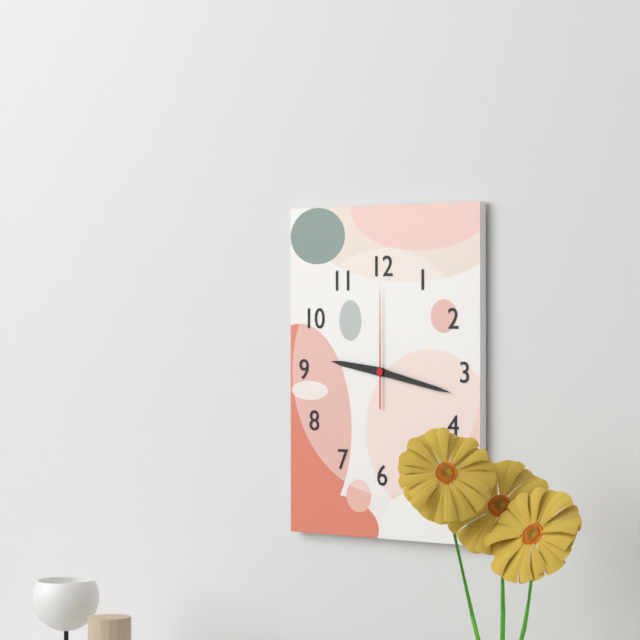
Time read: 9:17:00
